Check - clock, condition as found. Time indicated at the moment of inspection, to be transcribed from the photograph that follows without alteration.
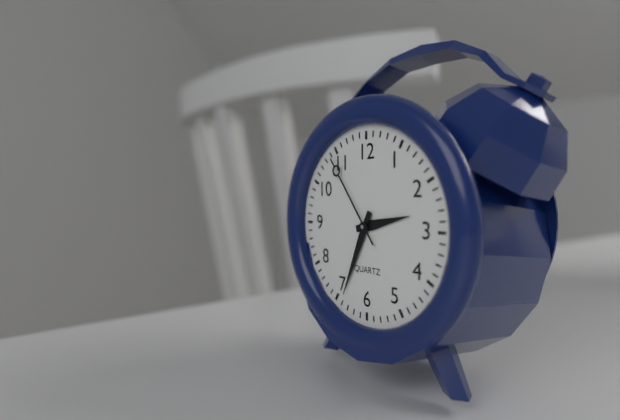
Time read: 2:34:54
